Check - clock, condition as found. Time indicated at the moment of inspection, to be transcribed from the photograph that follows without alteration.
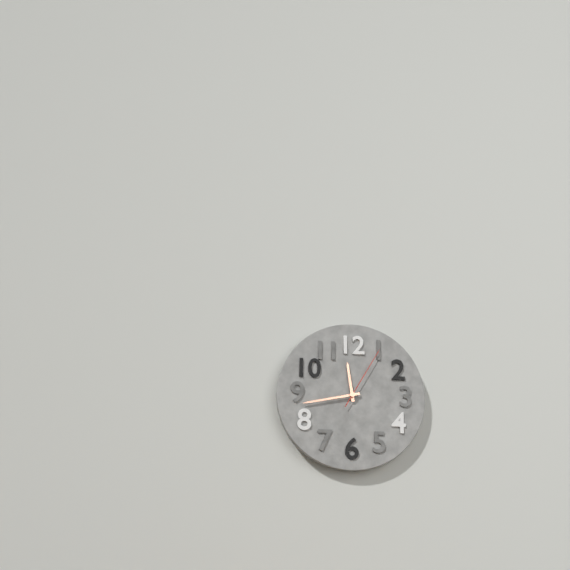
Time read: 11:43:05
